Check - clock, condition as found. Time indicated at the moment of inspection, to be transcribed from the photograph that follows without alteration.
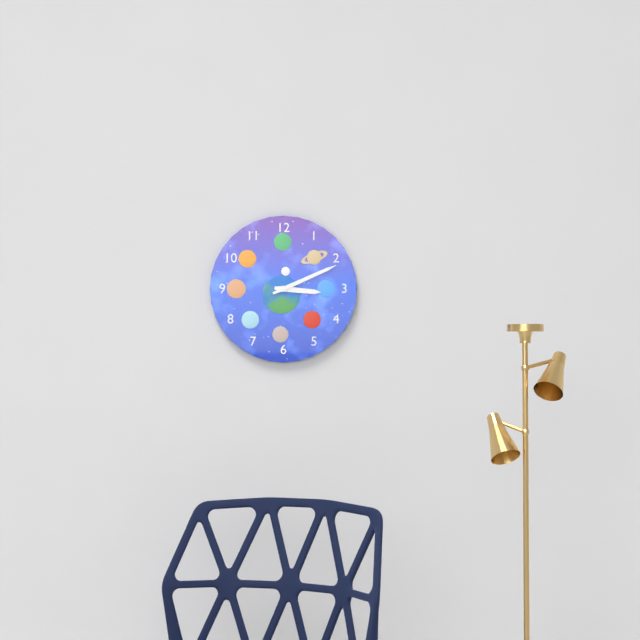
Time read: 3:11
